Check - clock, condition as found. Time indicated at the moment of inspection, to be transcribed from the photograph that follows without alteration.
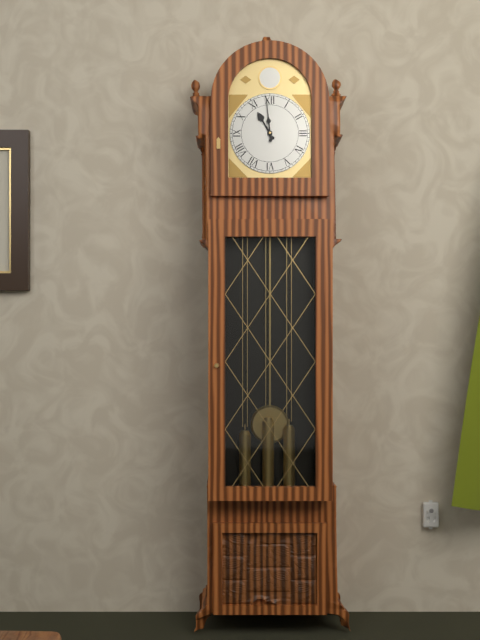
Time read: 10:59
